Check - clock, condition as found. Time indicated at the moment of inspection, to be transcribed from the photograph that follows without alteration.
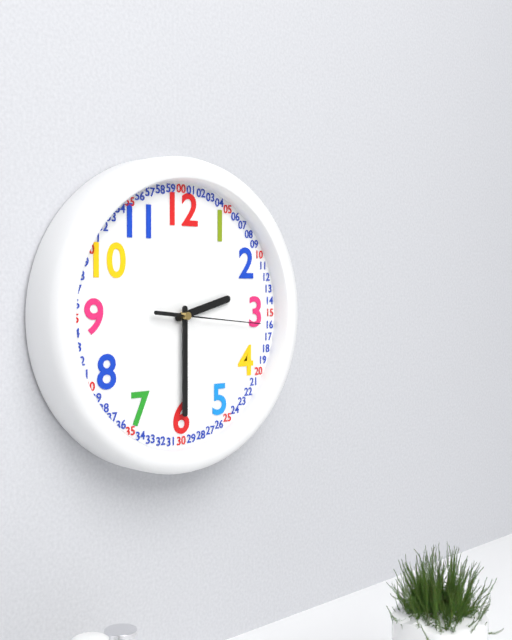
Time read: 2:30:16
